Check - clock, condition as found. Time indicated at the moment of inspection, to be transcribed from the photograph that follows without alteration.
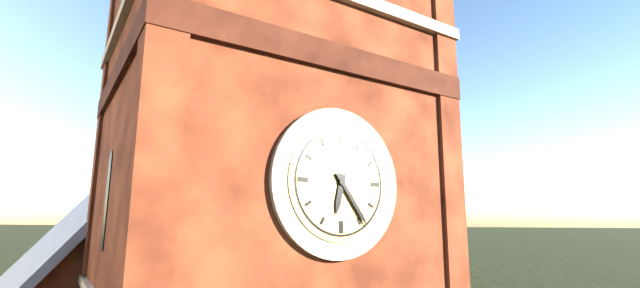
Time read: 6:24
